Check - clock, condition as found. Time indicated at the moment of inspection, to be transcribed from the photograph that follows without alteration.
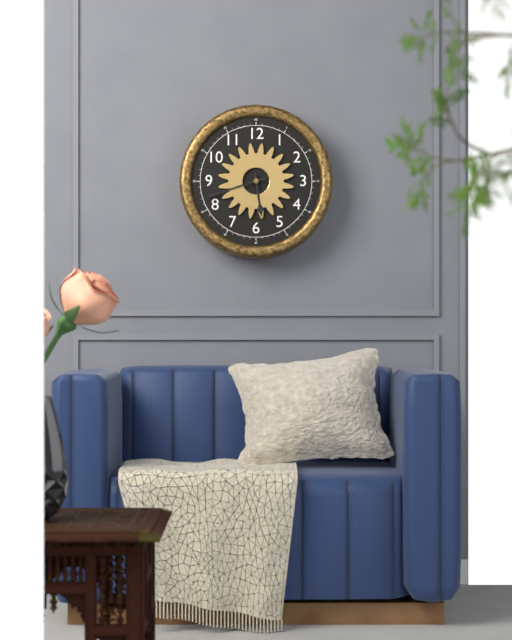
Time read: 5:42
